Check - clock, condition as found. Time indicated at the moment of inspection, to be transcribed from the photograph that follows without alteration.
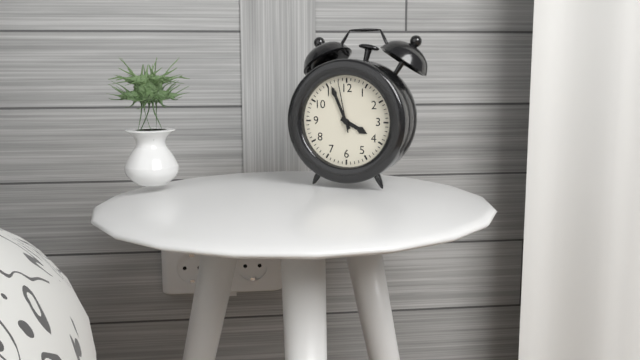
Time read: 3:56:58
